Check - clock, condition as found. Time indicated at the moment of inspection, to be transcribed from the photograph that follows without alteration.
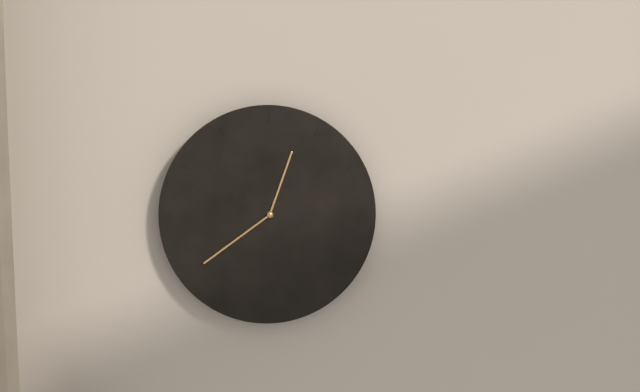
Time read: 12:39
